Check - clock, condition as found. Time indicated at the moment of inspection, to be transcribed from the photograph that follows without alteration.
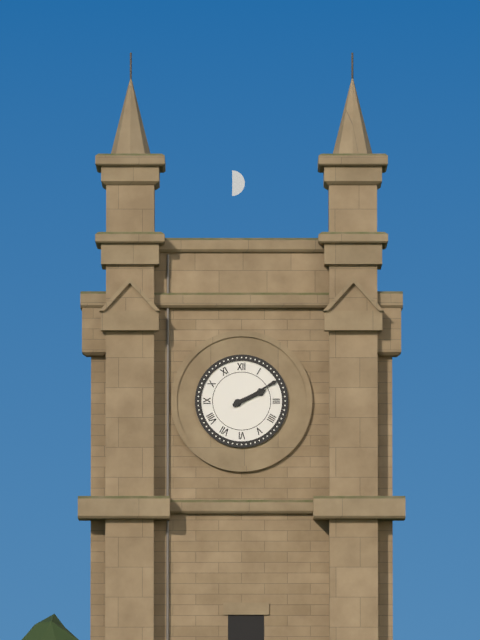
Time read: 2:10
